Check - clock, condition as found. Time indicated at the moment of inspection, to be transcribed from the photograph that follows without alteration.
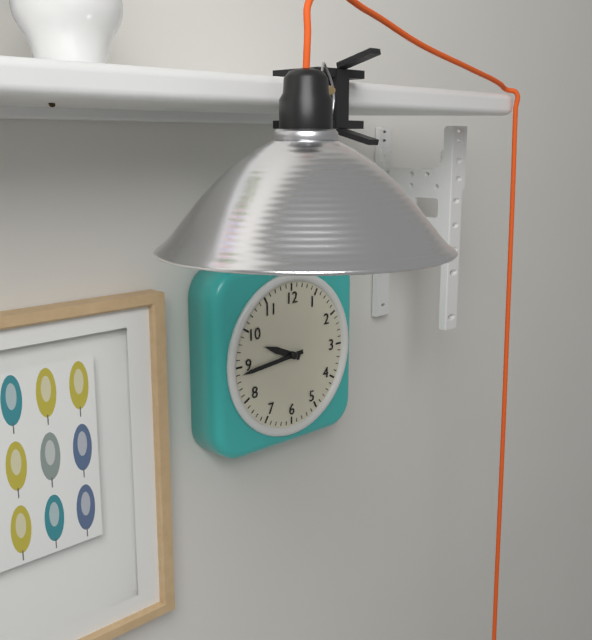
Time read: 9:44
